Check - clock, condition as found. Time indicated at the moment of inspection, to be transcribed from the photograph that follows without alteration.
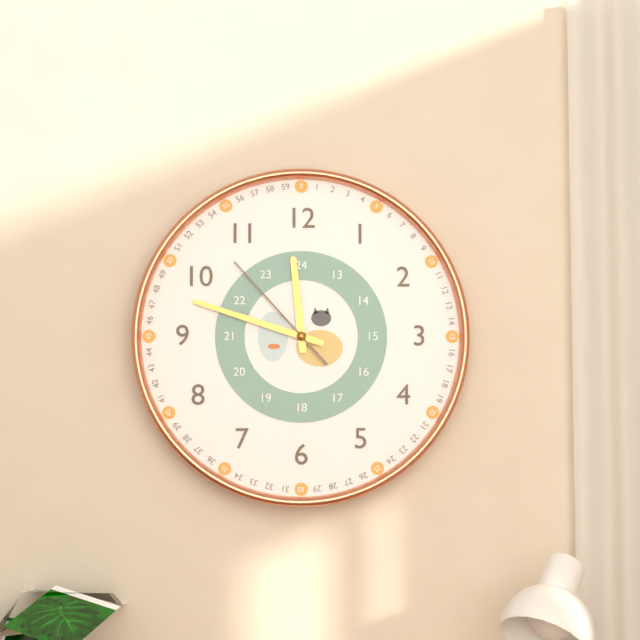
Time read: 11:48:53
